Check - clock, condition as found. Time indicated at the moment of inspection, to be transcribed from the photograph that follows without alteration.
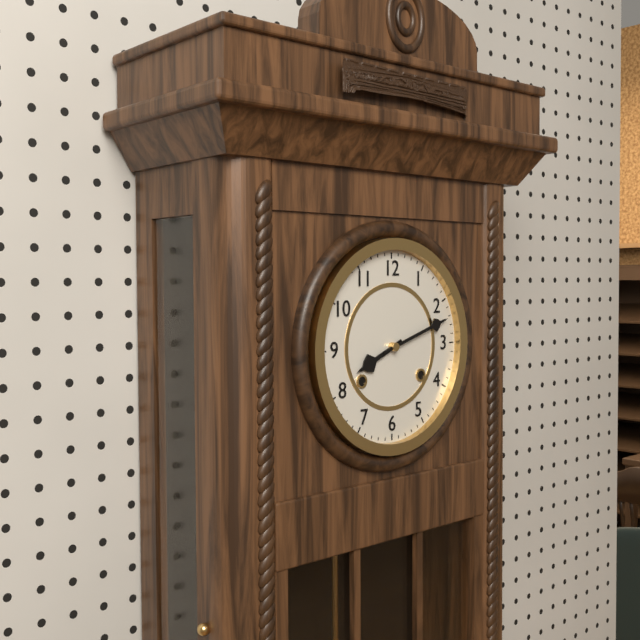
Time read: 8:12
